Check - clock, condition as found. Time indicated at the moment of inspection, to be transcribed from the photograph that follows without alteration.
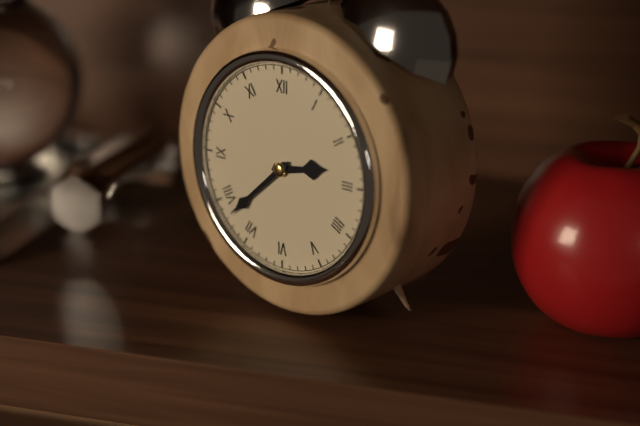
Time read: 2:38
